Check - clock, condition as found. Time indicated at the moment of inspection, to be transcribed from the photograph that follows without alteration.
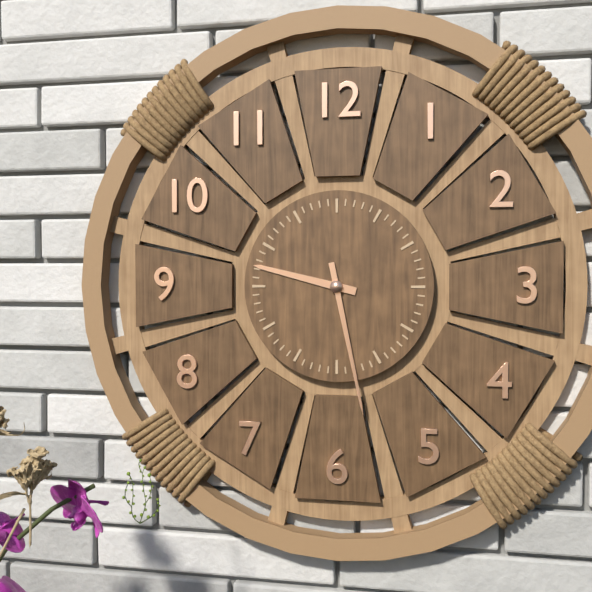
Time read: 9:28
